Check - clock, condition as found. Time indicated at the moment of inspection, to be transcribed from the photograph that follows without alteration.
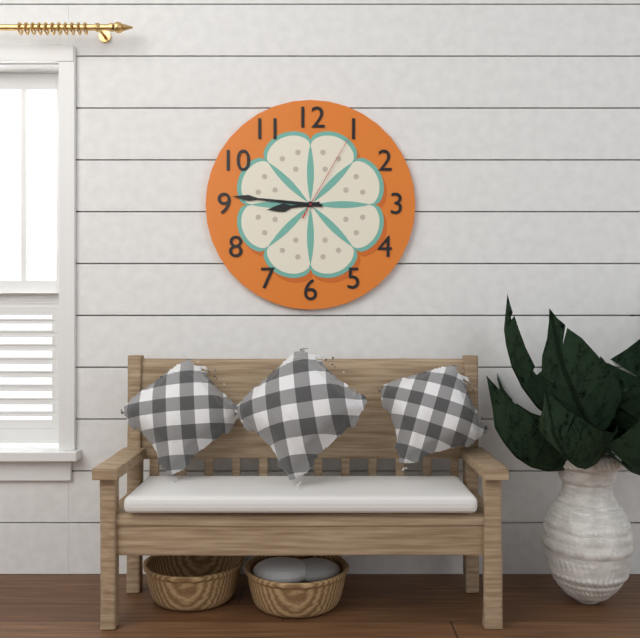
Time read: 8:46:05
